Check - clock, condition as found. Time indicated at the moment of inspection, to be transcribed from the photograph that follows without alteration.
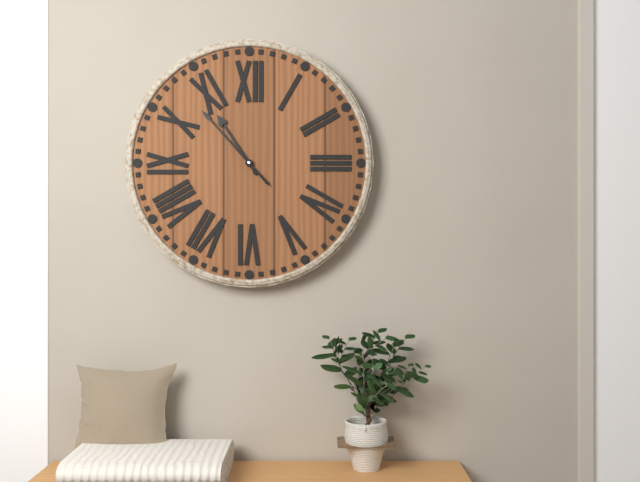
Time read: 10:53
